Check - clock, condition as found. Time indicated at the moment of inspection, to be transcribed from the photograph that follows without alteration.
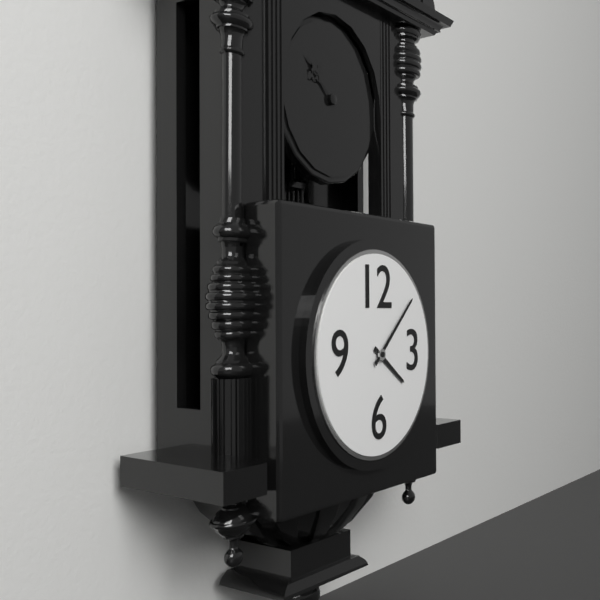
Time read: 4:08
